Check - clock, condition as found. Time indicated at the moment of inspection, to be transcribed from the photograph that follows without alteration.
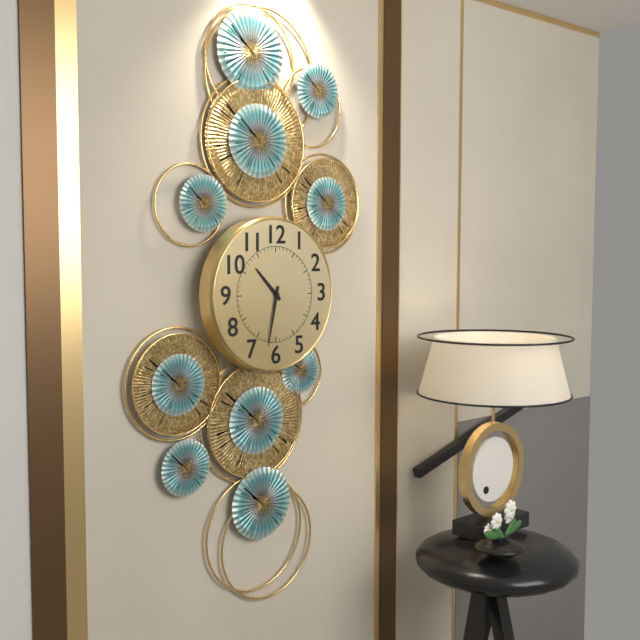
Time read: 10:32
